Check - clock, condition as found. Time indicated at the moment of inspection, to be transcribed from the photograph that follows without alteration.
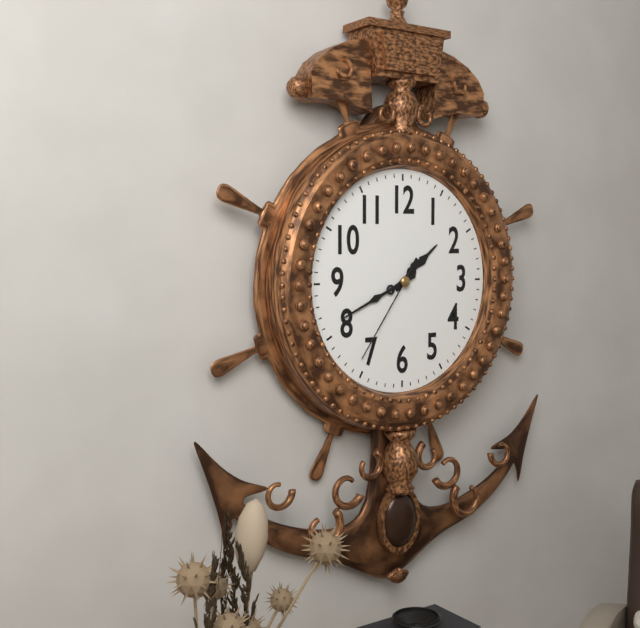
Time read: 1:41:36
